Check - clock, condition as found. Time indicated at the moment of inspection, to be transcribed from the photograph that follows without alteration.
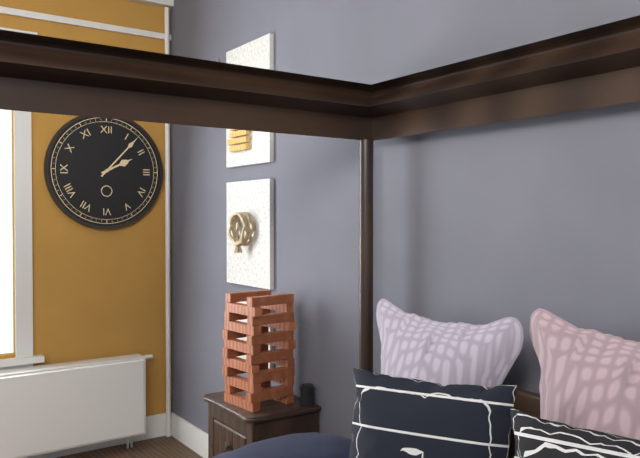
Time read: 2:07
